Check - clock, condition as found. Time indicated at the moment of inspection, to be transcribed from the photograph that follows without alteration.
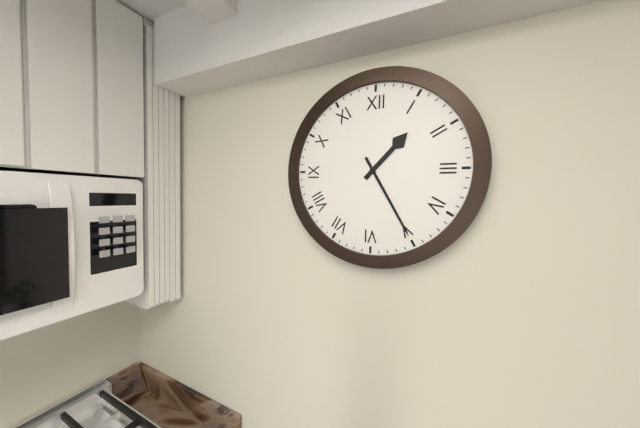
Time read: 1:25
